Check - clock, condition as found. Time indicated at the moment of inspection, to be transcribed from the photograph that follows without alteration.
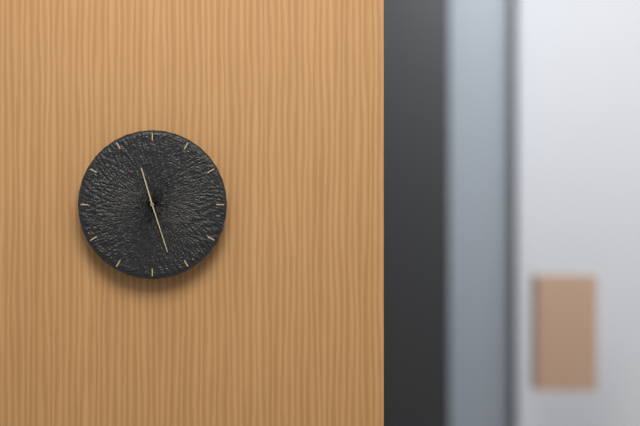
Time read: 11:27
